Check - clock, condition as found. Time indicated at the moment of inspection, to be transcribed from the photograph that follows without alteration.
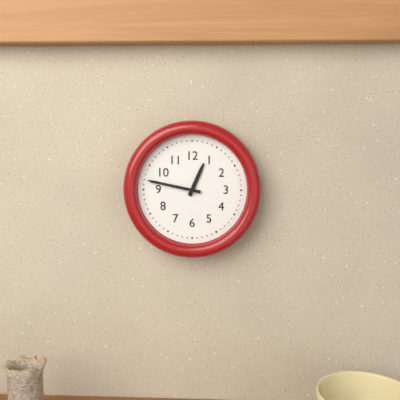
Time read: 12:47
